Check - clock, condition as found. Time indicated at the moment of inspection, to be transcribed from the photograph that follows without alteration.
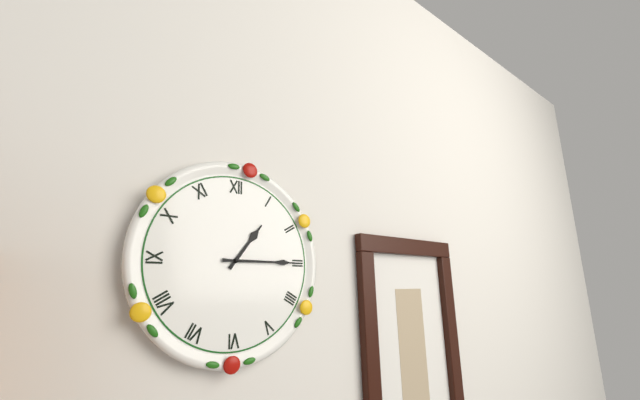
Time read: 1:15
